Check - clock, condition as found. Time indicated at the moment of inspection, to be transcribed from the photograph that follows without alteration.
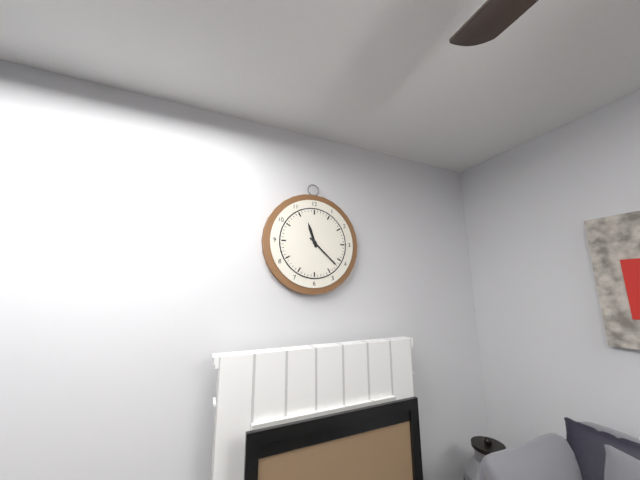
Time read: 11:22
